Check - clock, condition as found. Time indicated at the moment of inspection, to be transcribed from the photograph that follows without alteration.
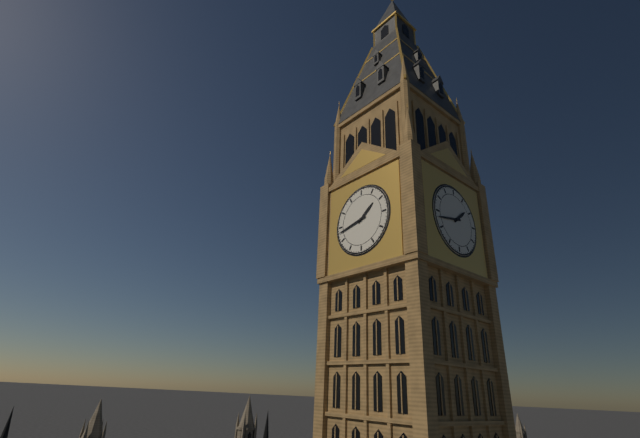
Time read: 1:43
